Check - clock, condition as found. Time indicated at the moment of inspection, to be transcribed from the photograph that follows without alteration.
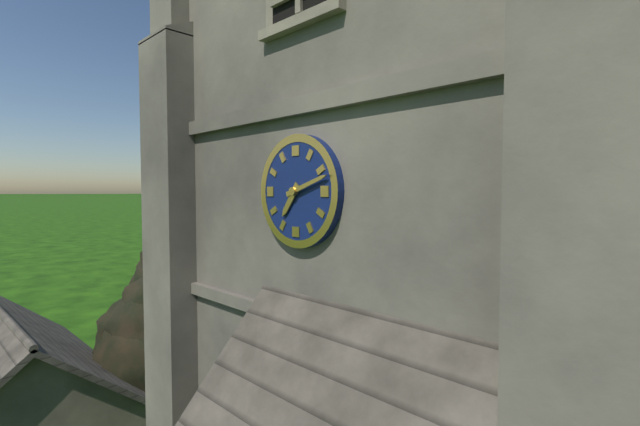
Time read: 7:12
